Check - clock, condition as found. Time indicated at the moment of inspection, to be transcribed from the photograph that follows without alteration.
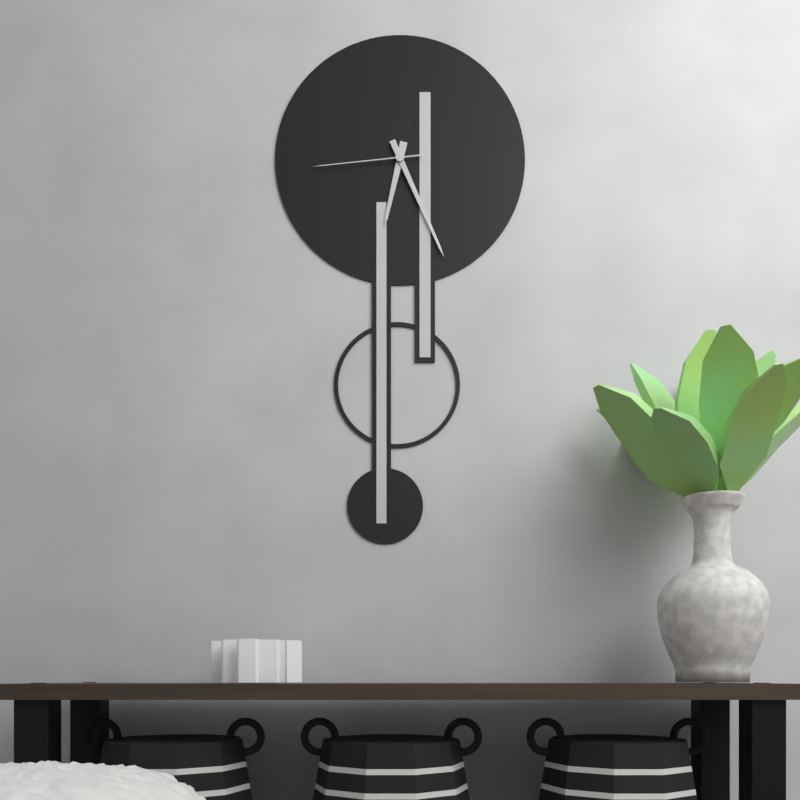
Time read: 6:26:44
